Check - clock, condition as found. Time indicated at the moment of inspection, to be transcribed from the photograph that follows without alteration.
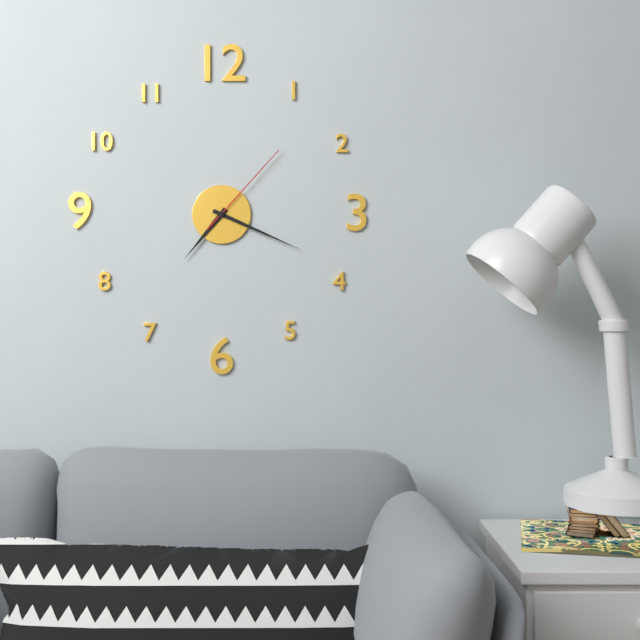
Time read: 7:19:07
